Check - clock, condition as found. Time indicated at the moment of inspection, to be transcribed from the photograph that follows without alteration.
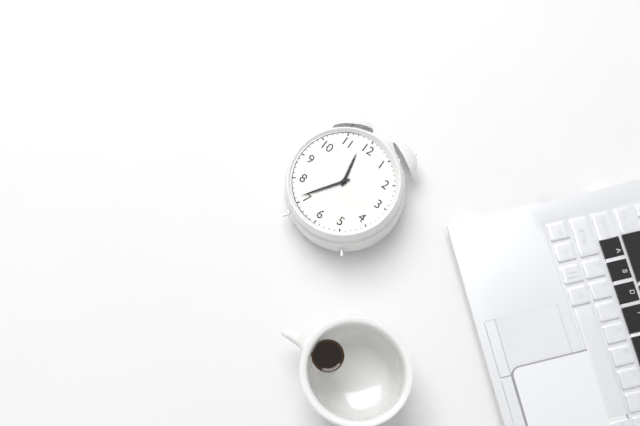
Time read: 11:36
